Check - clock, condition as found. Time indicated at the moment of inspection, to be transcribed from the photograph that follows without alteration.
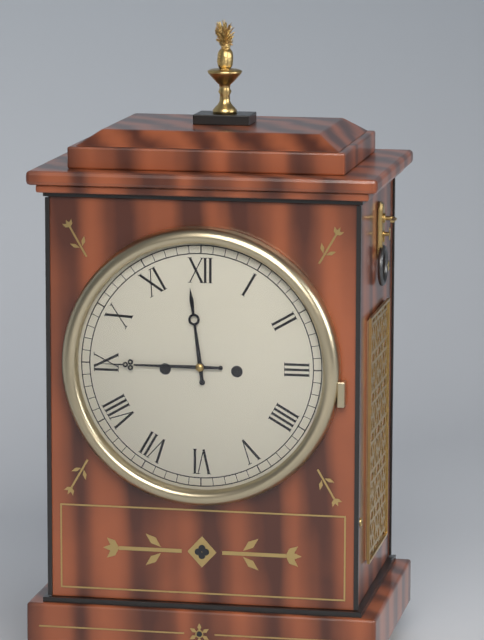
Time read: 11:45
